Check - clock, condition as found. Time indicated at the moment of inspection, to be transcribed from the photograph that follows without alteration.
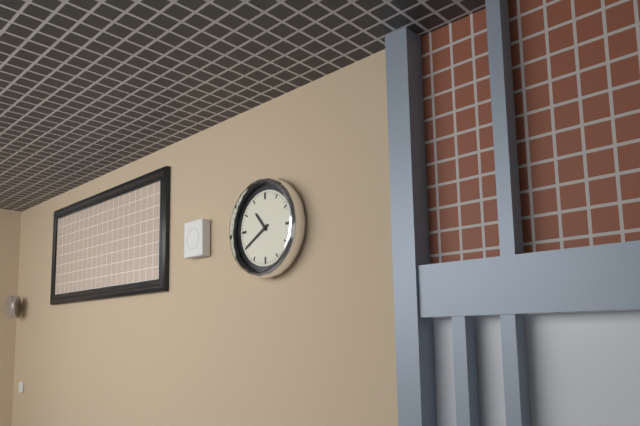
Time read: 10:40
